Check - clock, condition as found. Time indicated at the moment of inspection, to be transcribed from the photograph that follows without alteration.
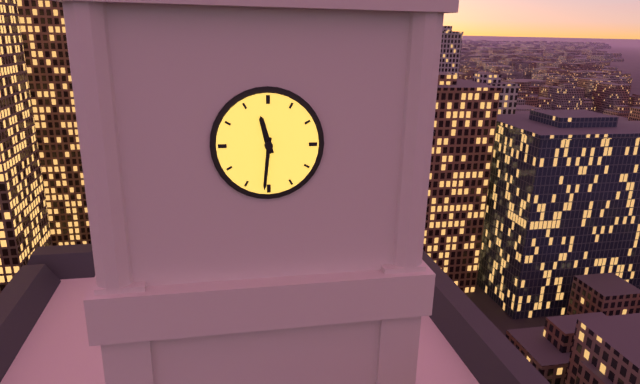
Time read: 11:31
